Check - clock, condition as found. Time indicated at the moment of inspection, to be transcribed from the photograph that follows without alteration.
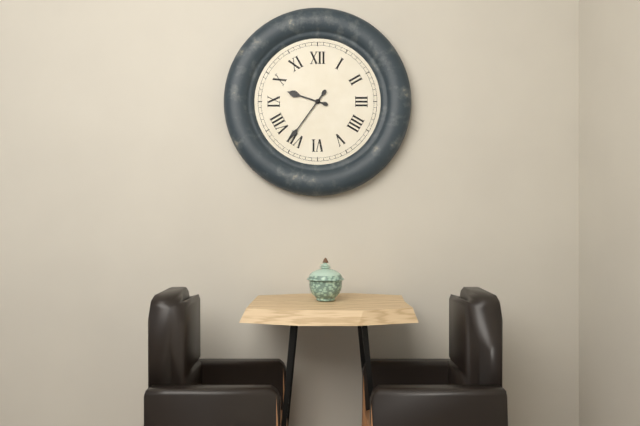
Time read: 9:36
